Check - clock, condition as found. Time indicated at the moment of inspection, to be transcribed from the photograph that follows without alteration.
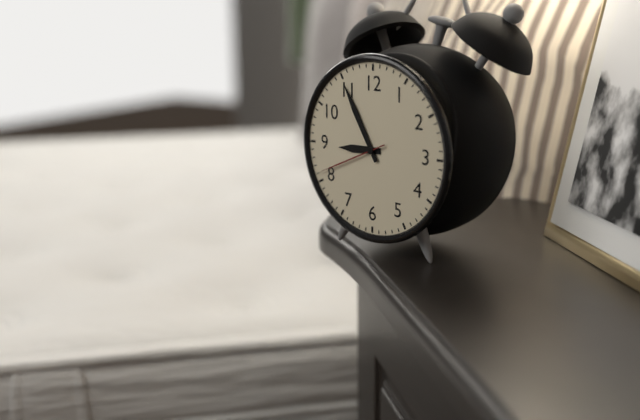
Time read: 8:55:41
